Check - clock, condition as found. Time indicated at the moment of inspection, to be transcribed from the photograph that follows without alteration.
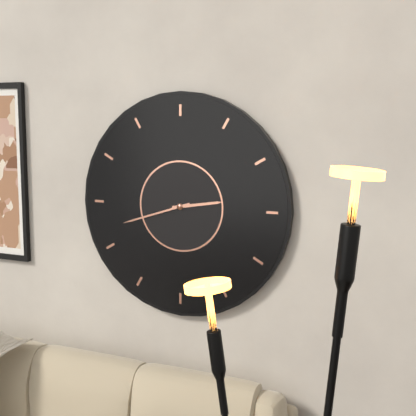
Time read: 2:42
